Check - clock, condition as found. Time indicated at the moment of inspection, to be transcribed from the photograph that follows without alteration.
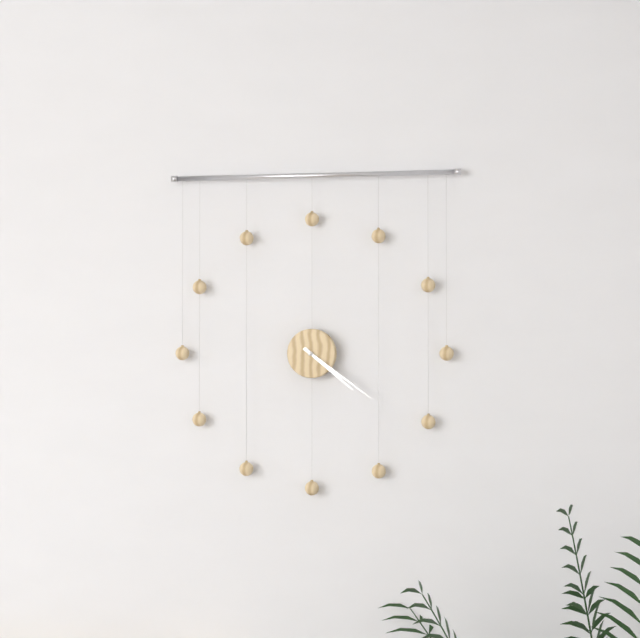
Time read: 4:21
